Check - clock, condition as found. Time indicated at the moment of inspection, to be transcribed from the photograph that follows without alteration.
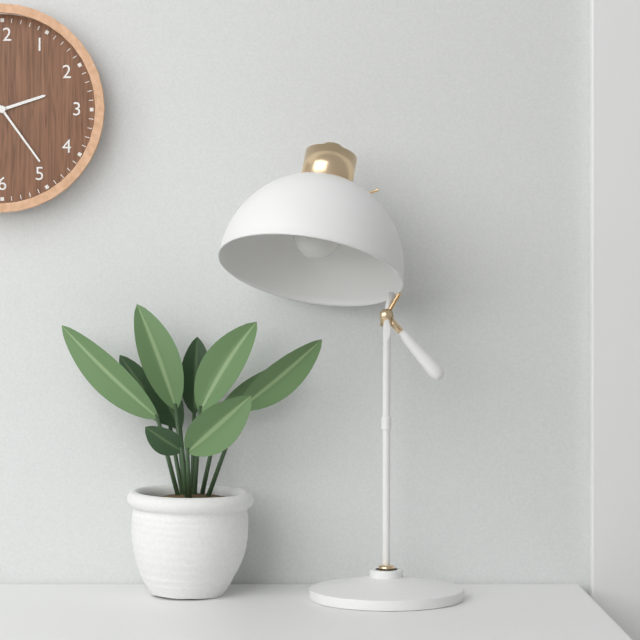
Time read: 2:24
